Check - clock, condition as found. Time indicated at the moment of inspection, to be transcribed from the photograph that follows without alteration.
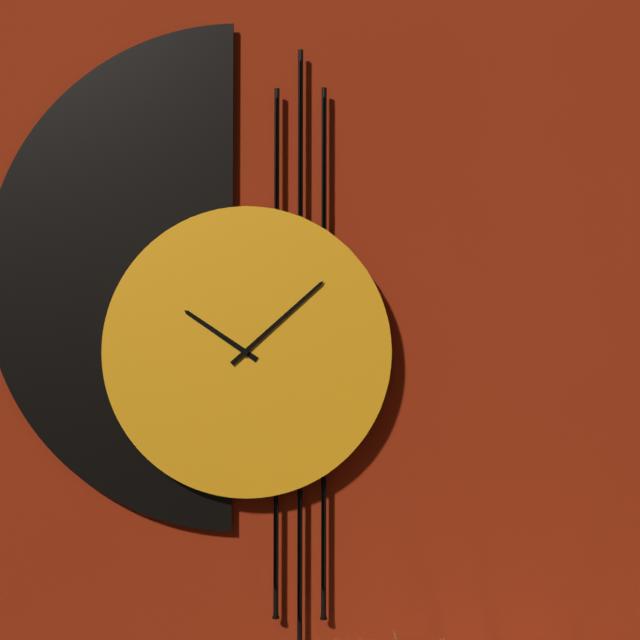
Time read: 10:08
